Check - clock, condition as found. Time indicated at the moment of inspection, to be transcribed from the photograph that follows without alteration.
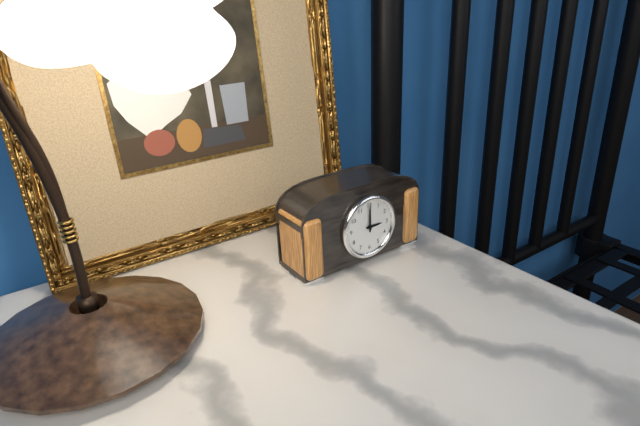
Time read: 3:00
